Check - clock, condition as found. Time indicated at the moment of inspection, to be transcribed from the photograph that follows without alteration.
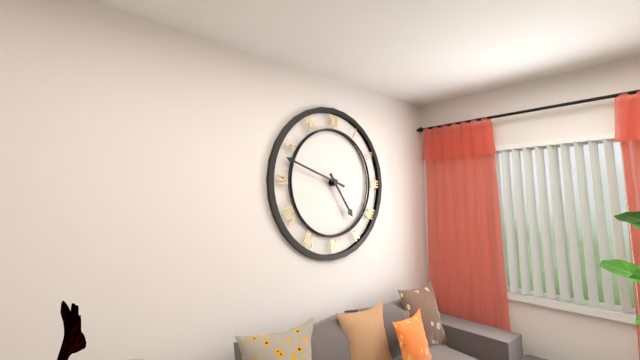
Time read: 4:48
